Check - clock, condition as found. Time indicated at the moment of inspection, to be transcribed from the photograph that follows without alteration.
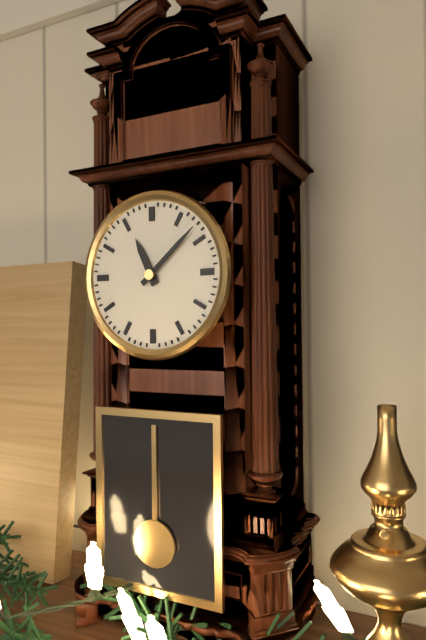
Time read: 11:08
